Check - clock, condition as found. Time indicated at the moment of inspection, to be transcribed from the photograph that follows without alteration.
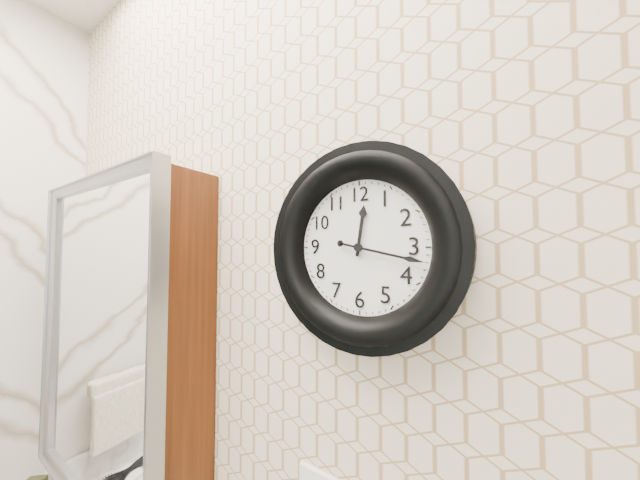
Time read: 12:17
